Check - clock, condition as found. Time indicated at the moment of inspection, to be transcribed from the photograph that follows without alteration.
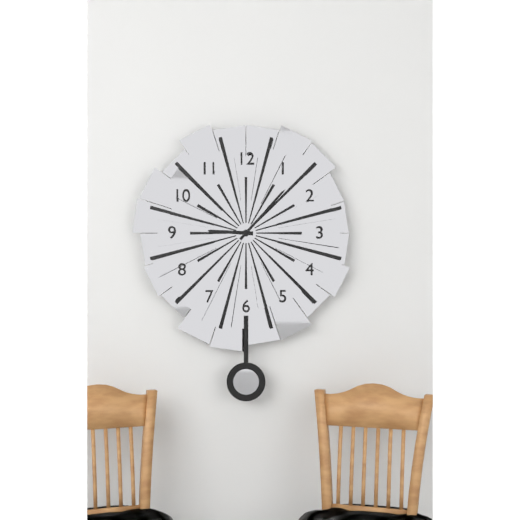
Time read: 9:07
